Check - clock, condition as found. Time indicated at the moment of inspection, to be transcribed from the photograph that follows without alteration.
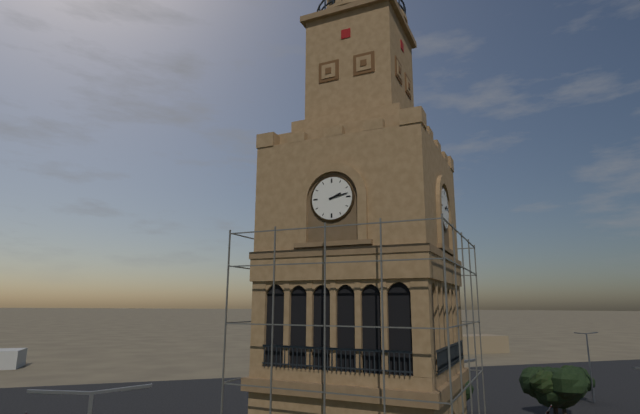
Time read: 2:13
